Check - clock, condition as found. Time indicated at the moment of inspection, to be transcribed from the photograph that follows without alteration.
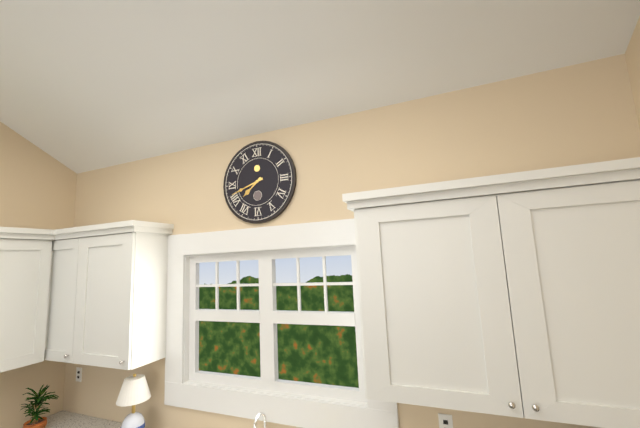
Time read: 7:42
